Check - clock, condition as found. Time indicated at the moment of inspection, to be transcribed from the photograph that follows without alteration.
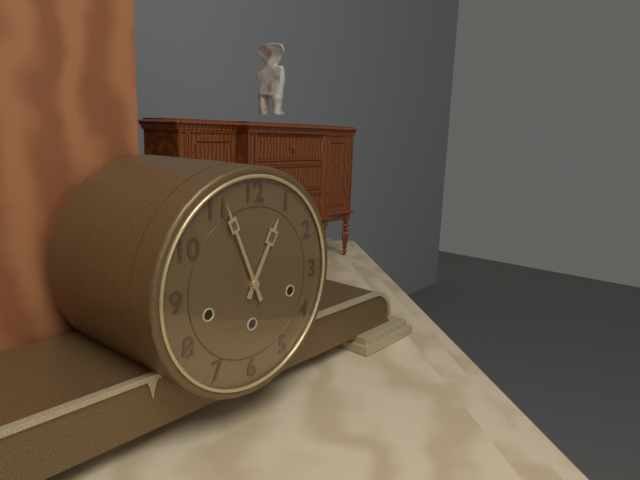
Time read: 12:56
